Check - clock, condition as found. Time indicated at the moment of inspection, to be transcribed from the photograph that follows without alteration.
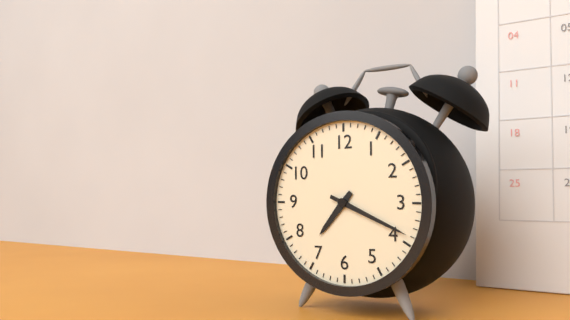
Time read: 7:19
